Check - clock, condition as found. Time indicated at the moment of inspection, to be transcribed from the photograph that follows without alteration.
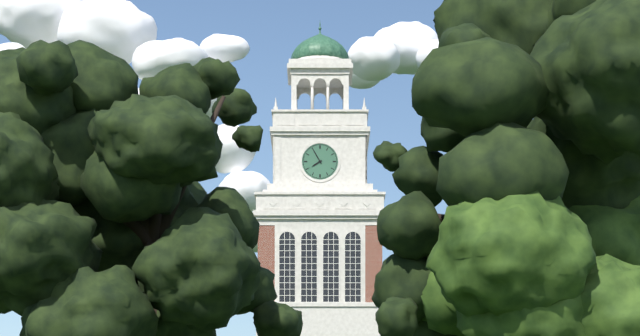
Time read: 7:55
